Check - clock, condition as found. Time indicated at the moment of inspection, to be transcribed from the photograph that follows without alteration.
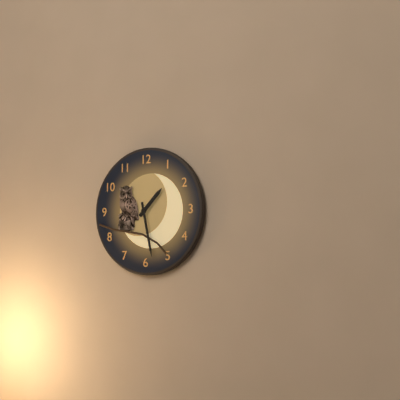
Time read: 1:28
